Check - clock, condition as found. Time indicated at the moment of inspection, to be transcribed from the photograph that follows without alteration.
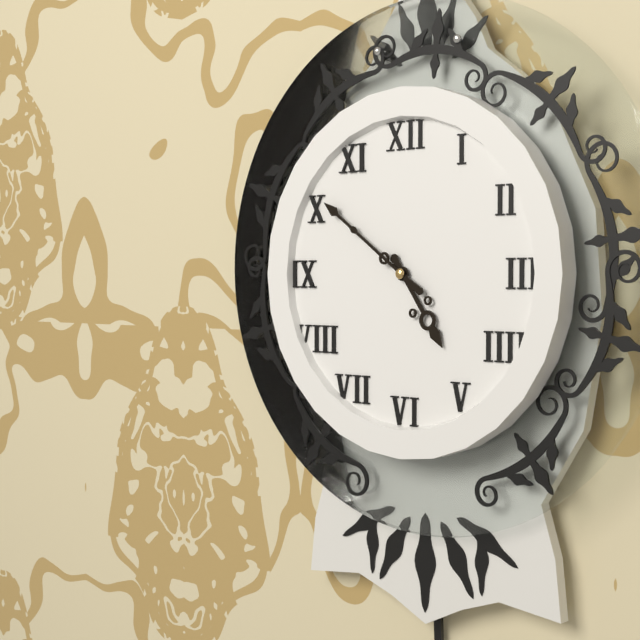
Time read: 4:51
